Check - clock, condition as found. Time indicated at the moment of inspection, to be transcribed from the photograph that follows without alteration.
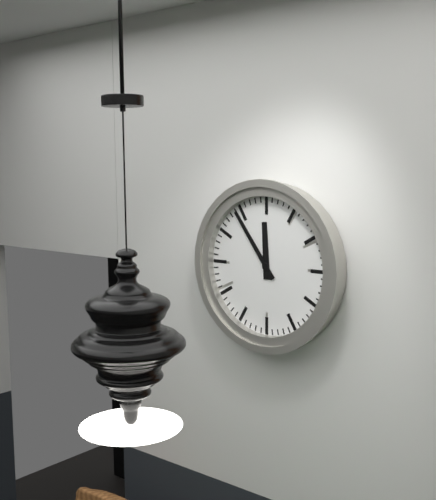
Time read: 11:54
